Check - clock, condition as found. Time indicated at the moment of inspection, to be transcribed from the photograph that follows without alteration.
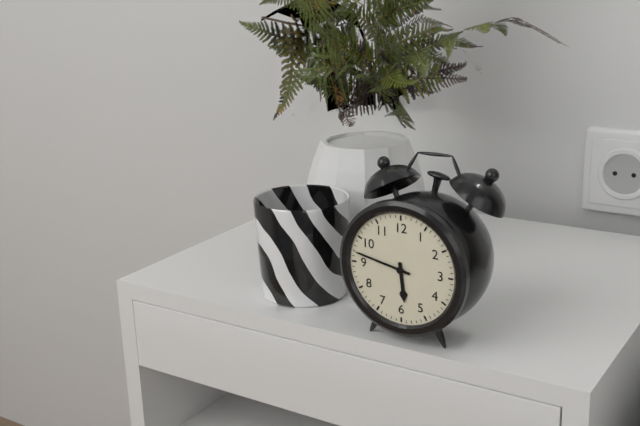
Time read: 5:47
